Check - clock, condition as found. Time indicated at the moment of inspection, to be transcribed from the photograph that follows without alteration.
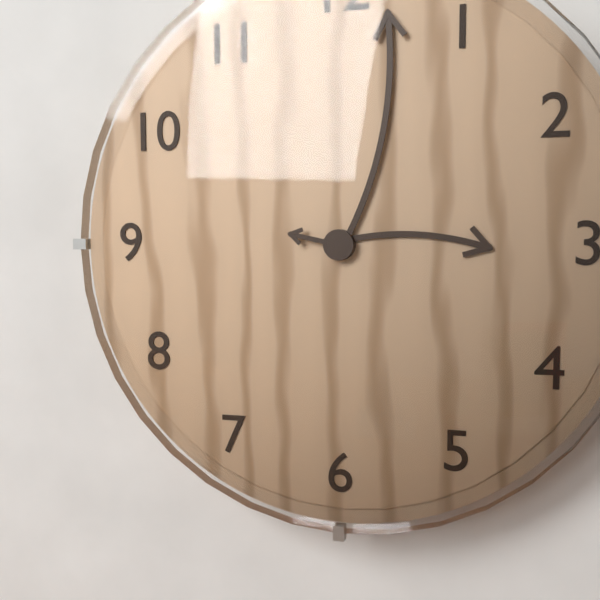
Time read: 3:02:47
